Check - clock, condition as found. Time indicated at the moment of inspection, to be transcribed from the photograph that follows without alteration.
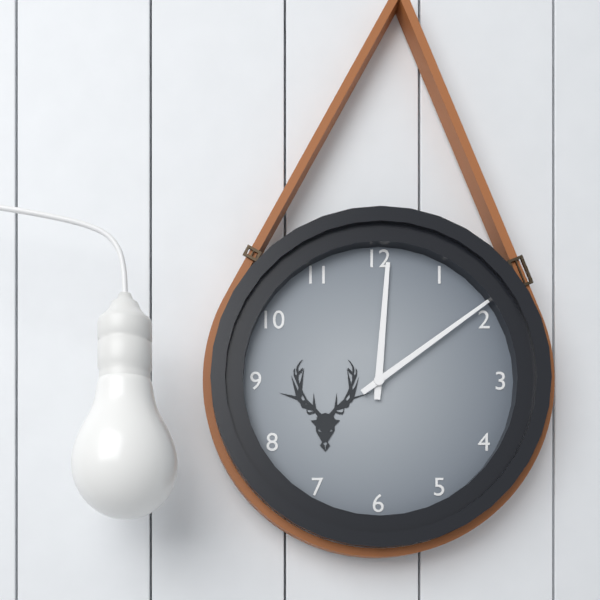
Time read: 12:09
